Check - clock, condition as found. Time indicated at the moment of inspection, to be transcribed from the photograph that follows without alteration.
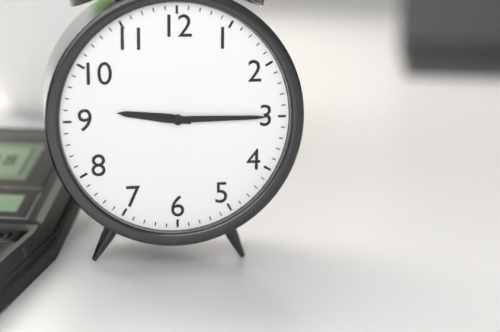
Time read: 9:15
